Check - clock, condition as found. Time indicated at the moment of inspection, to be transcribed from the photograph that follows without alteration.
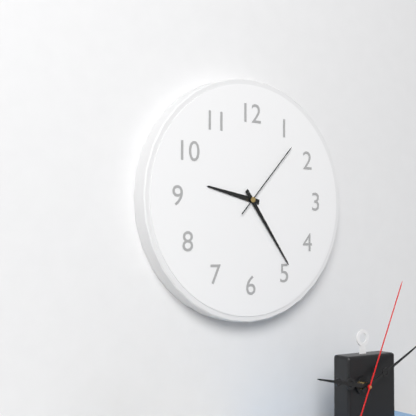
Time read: 9:24:07
